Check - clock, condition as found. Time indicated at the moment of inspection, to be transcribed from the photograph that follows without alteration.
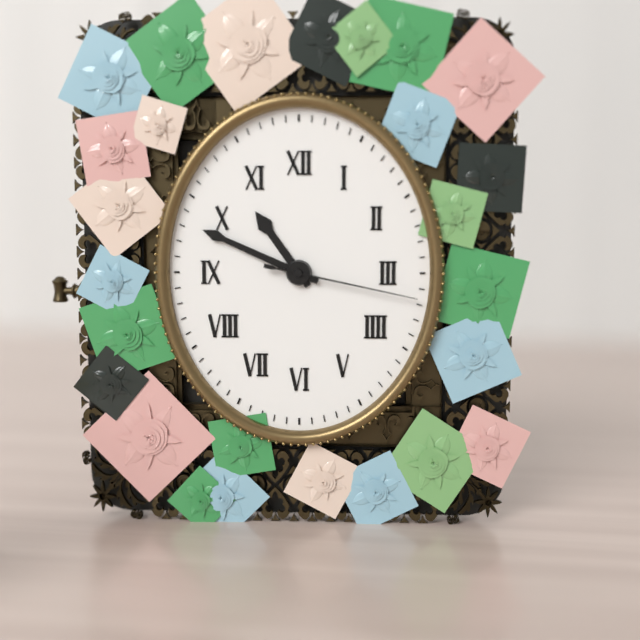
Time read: 10:49:17
